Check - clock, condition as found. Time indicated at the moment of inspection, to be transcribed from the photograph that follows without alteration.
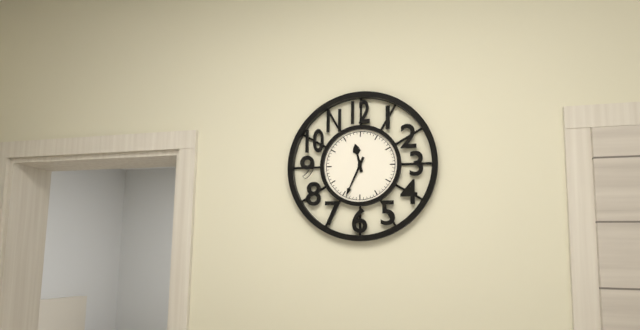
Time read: 11:34
